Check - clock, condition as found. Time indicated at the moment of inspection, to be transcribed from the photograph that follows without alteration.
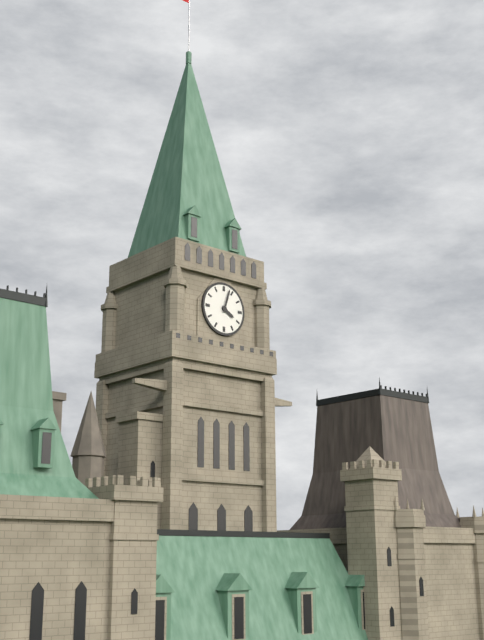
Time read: 4:03
